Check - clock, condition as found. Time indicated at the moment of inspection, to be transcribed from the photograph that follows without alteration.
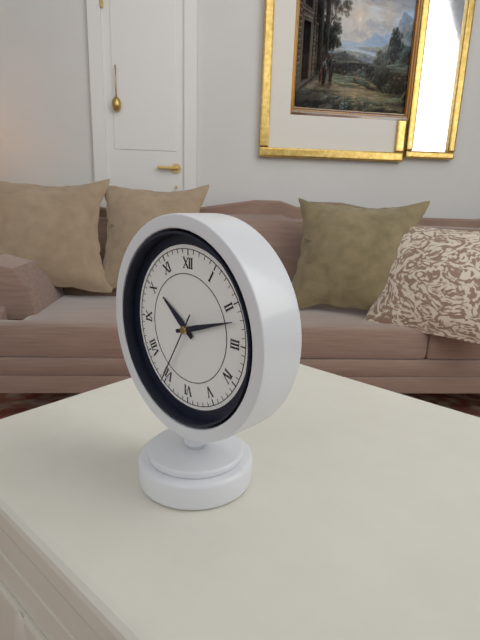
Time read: 10:12:35
